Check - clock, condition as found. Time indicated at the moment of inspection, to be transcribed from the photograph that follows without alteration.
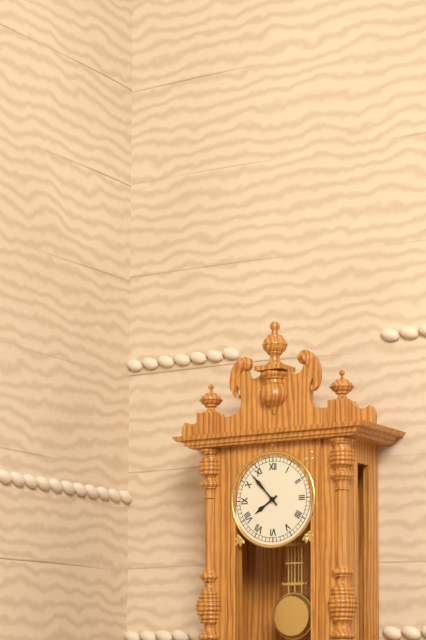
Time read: 7:53
